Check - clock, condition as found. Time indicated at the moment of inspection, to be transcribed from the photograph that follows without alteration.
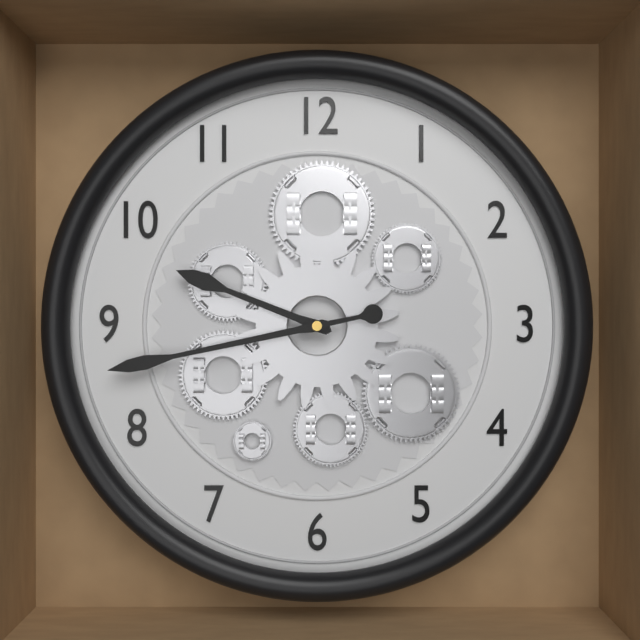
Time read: 9:43
